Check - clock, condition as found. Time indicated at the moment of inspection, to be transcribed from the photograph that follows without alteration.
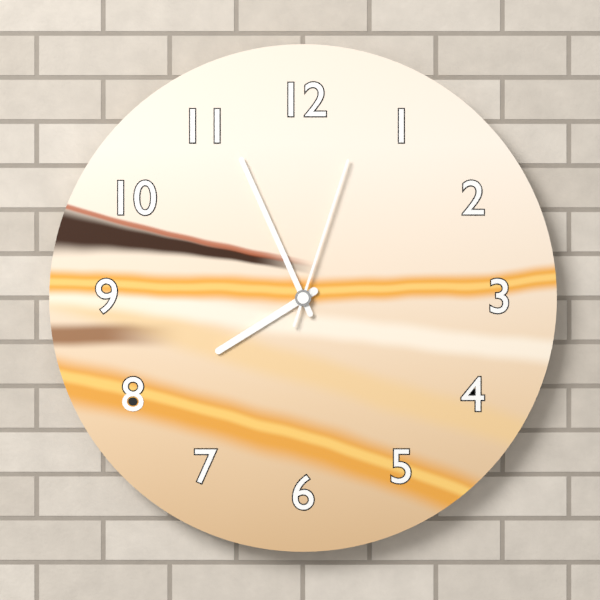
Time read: 7:56:03
